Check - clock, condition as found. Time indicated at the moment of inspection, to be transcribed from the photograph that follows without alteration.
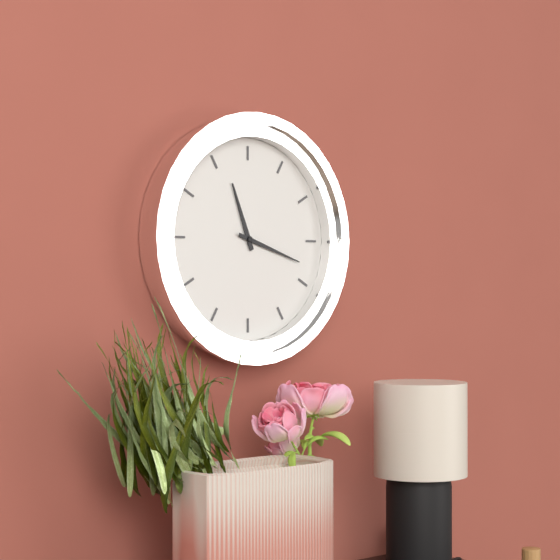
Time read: 11:18
